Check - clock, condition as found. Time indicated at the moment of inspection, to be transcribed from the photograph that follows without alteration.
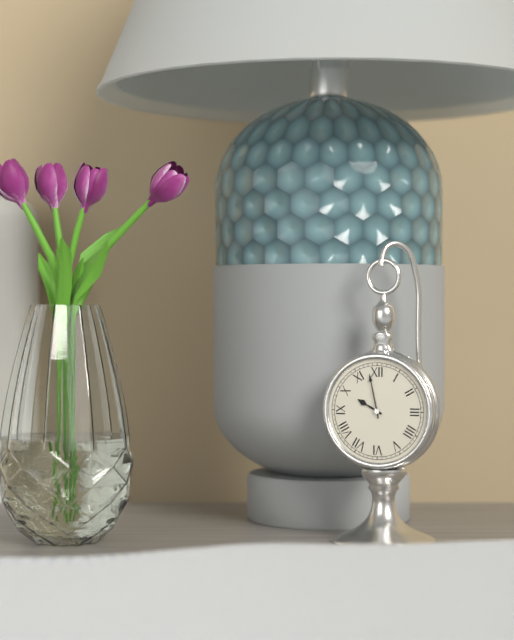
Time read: 9:58
